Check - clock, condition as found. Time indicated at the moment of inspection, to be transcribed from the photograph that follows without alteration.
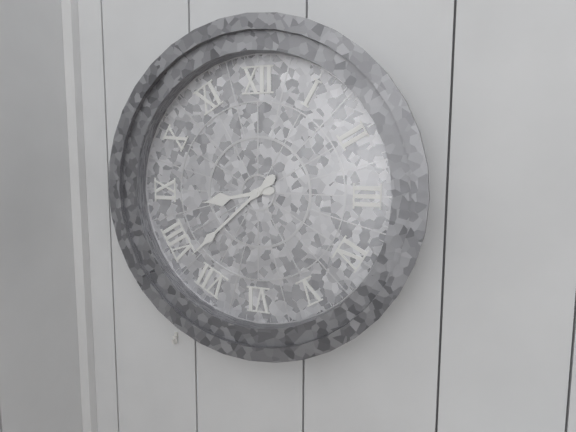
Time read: 8:38
